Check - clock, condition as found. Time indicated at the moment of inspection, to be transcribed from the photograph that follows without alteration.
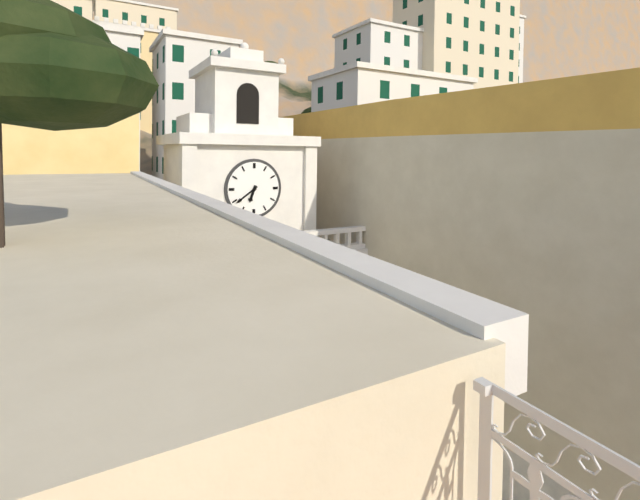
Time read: 6:39
